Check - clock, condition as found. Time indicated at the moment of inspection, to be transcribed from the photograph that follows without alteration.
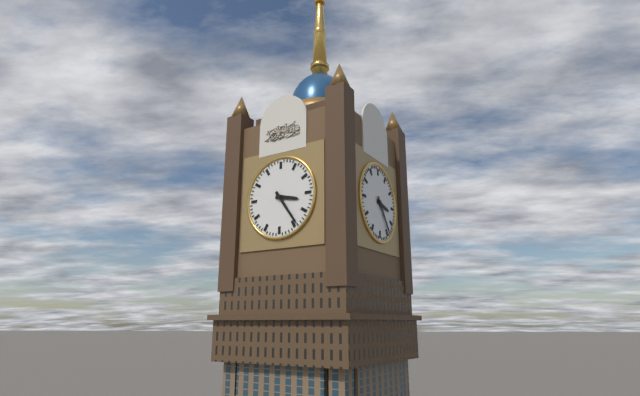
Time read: 3:24
